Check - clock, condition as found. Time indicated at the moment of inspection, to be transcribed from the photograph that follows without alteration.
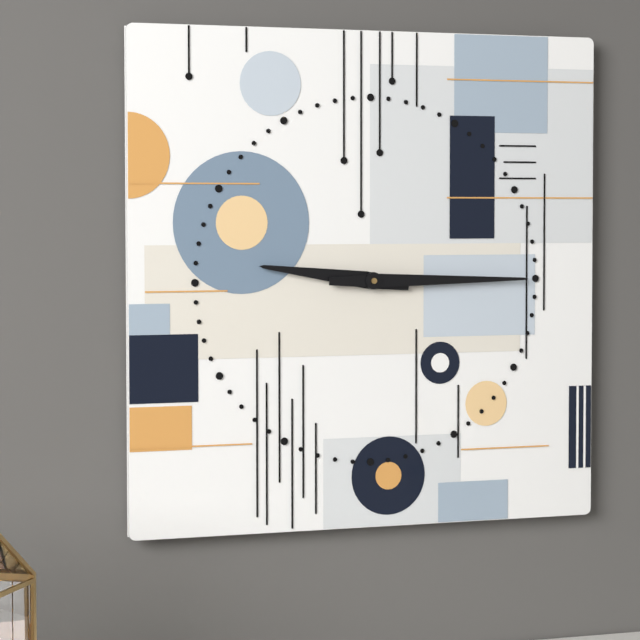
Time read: 9:15
